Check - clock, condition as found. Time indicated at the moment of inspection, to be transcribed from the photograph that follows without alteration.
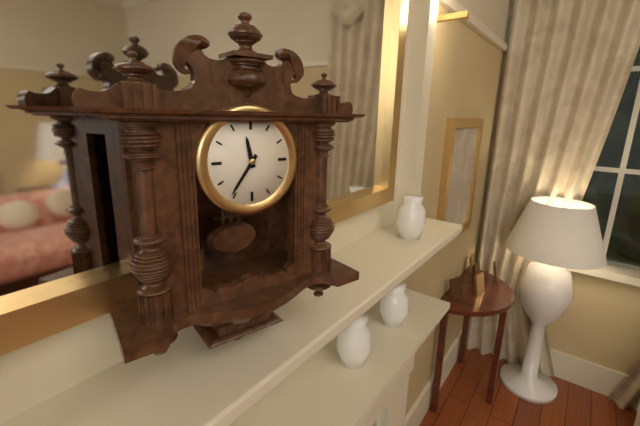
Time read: 11:36
